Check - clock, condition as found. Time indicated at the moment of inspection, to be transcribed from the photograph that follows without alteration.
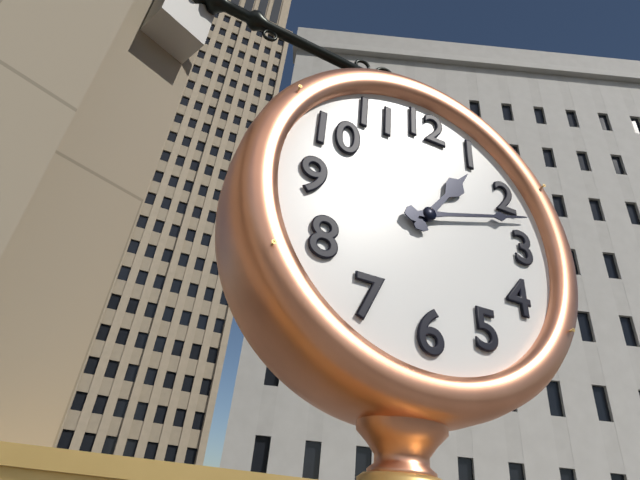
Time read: 1:12
